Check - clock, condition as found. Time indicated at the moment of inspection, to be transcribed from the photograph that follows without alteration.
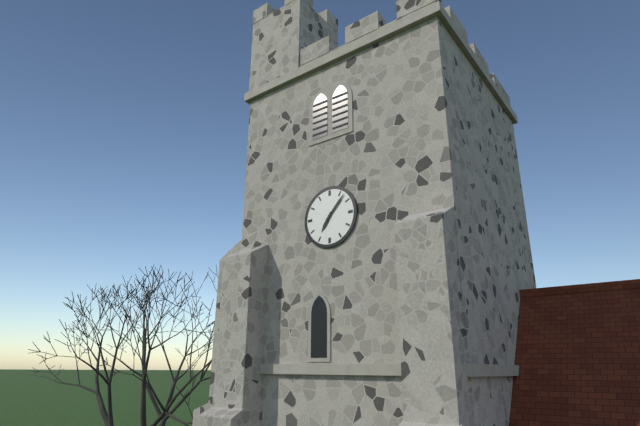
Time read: 7:07
